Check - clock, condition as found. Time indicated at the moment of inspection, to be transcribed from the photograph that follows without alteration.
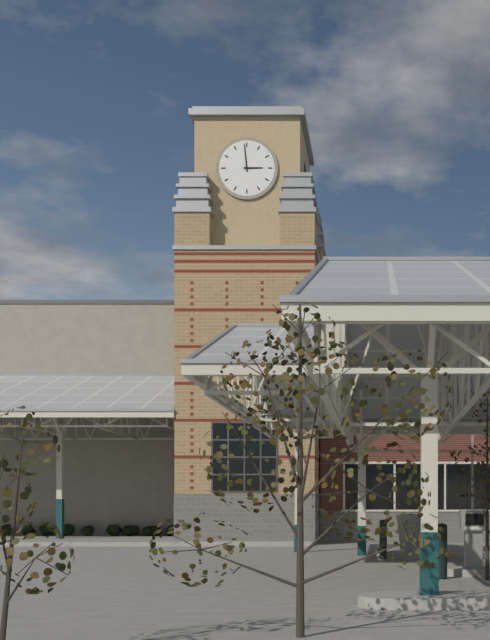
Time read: 2:59
